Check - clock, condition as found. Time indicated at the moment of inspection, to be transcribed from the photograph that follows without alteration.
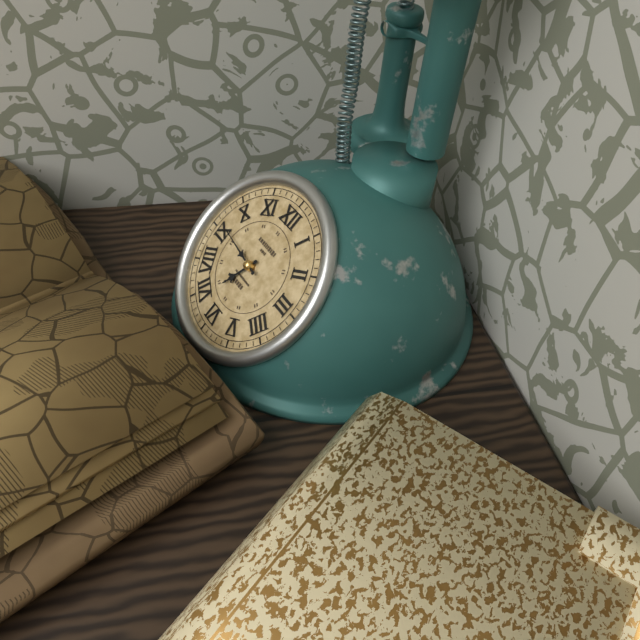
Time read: 6:46
